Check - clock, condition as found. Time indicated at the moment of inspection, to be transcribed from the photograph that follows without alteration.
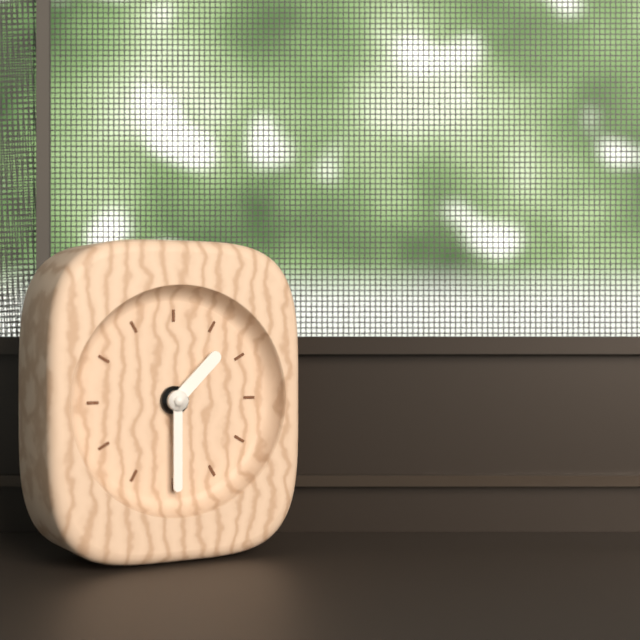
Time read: 1:30
